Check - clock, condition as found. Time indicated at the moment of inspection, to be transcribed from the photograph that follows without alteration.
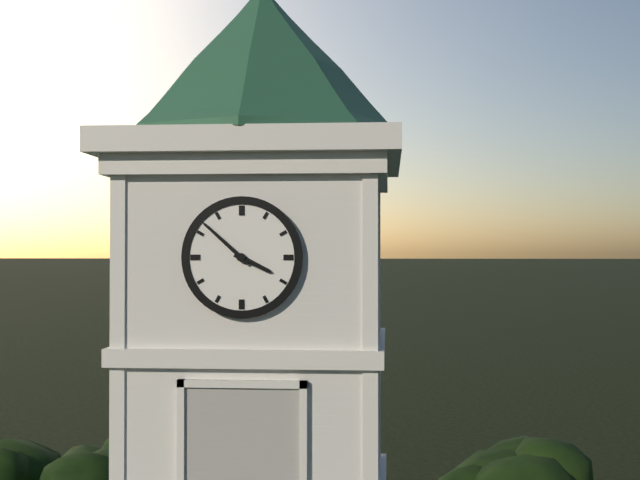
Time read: 3:52
